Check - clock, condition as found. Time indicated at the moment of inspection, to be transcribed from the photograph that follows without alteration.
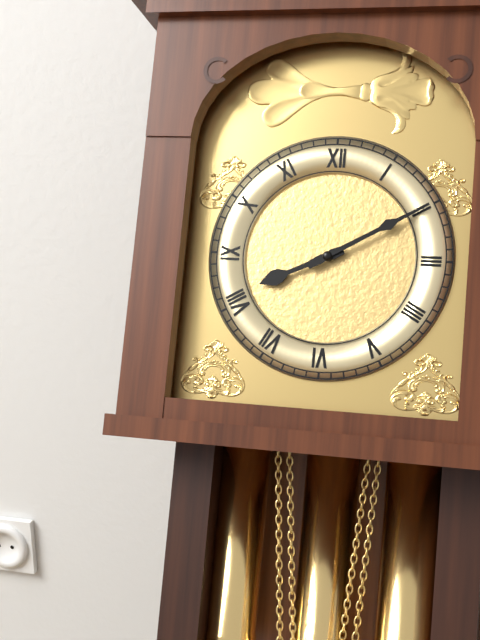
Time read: 8:10
